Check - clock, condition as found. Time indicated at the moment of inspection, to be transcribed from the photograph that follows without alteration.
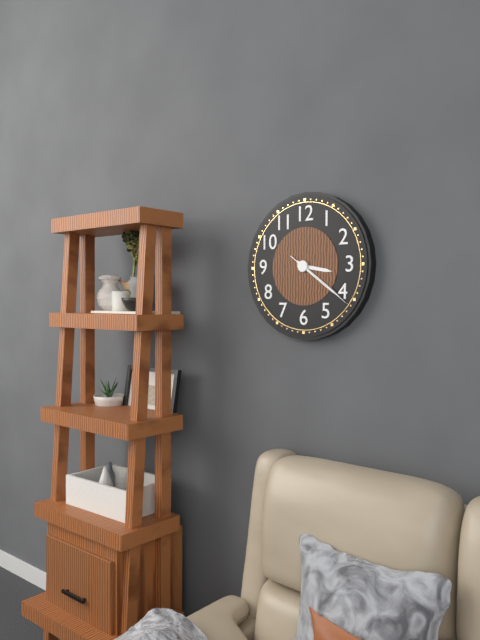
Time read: 3:21:21
